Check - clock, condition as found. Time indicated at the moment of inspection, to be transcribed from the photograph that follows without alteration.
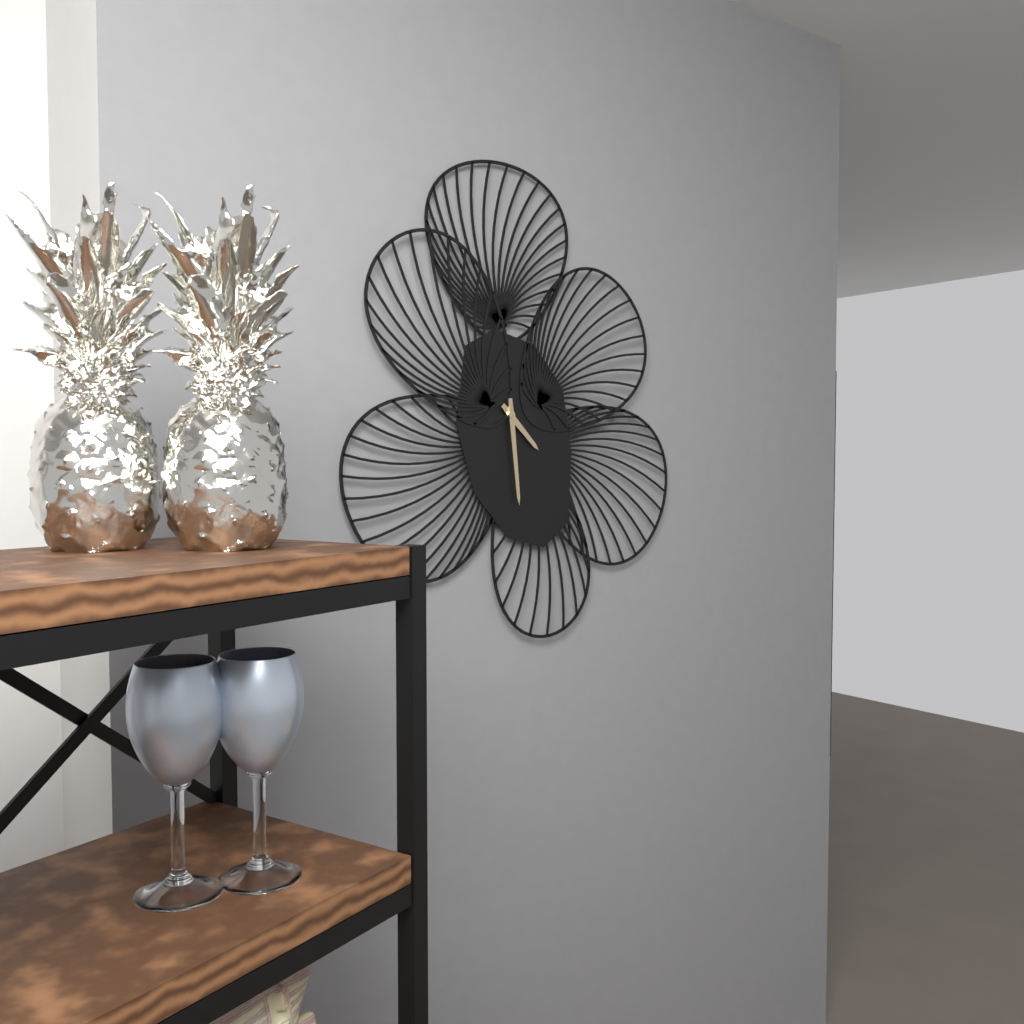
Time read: 4:29
